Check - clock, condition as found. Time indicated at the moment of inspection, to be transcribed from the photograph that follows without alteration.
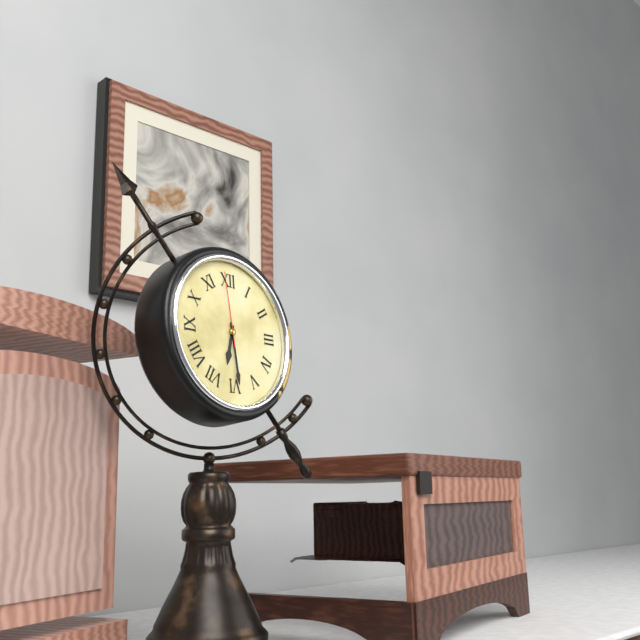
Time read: 6:29:59
